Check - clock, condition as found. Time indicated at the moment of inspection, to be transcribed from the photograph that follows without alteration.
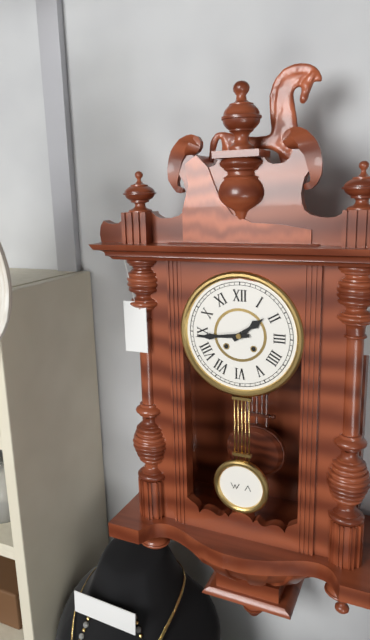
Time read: 1:44
